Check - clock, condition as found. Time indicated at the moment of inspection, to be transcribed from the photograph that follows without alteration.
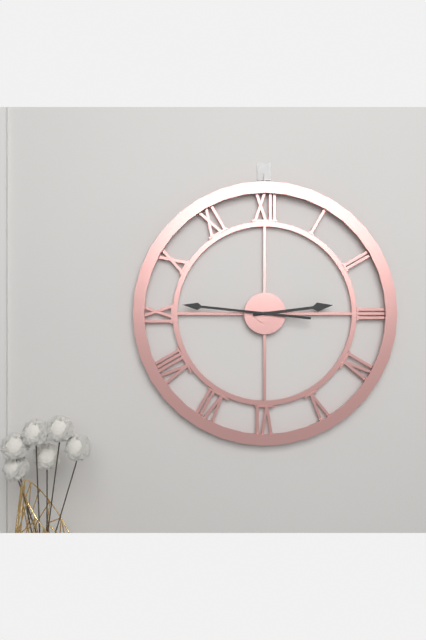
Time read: 2:46
